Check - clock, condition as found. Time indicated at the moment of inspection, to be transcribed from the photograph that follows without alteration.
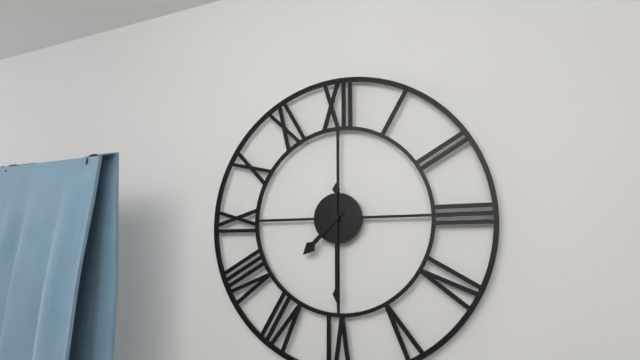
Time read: 7:30
